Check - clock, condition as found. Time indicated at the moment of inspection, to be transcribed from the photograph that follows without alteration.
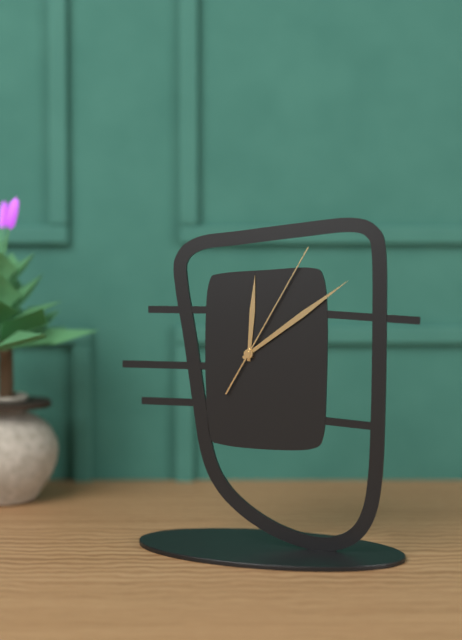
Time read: 12:09:05
